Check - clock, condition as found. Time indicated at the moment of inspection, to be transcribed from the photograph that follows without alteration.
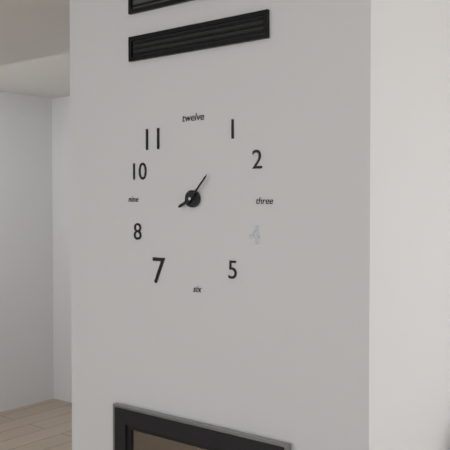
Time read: 8:07
